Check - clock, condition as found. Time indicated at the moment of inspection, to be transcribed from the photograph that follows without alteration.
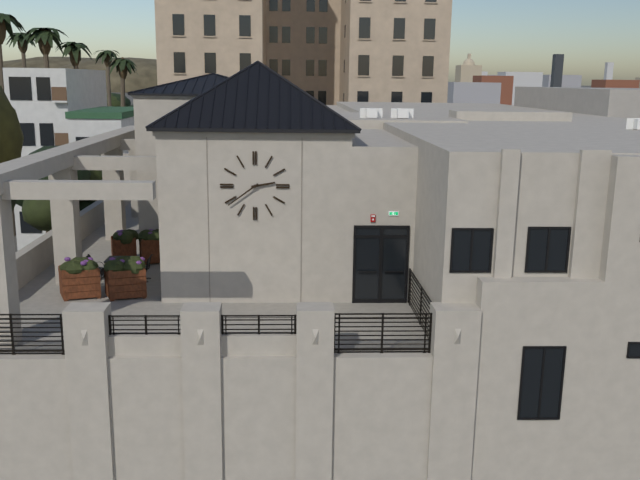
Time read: 2:39
